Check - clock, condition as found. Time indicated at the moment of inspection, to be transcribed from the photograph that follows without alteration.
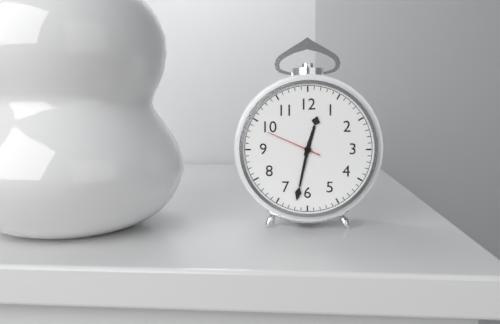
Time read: 12:32:49
